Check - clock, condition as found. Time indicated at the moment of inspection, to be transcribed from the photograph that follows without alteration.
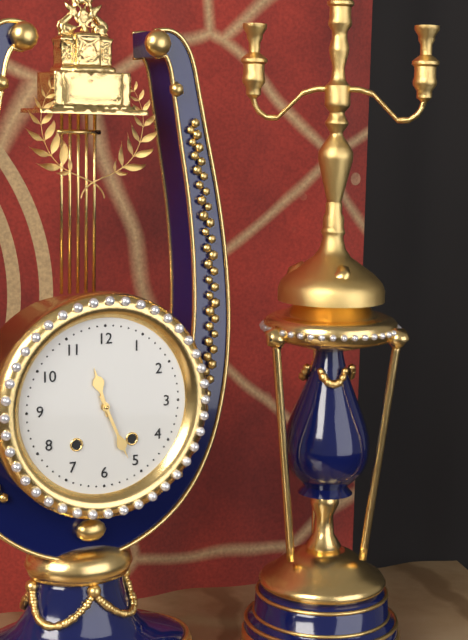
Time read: 11:26
